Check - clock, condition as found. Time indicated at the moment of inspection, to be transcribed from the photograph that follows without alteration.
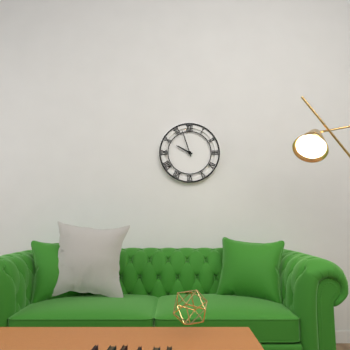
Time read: 9:57
